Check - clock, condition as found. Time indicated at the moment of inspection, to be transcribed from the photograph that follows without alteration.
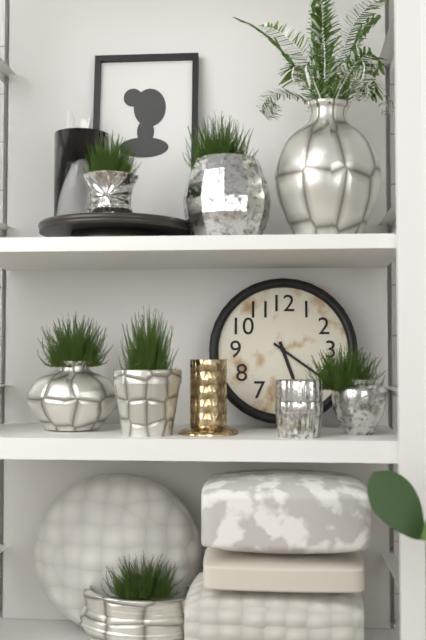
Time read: 5:21
